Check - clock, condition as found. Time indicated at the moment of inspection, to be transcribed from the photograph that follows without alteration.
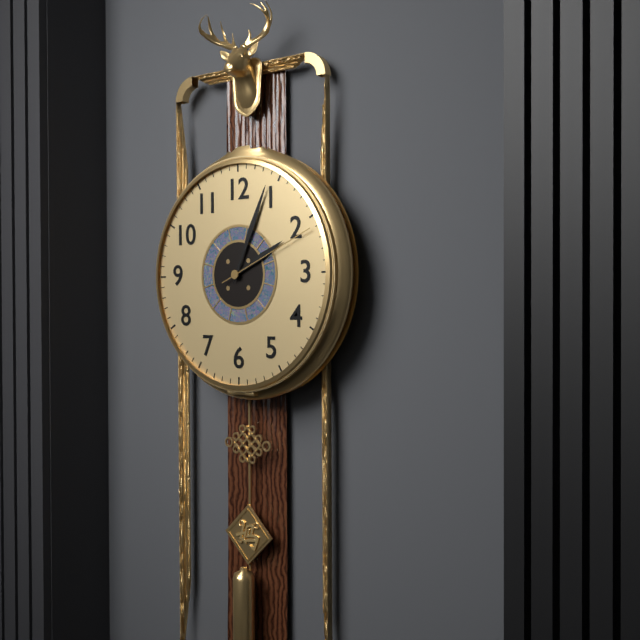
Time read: 2:04:11
